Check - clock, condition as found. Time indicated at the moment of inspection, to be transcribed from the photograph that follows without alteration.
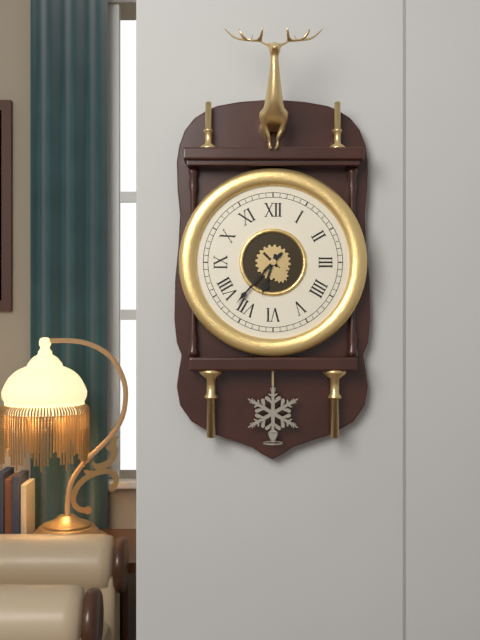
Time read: 6:37
